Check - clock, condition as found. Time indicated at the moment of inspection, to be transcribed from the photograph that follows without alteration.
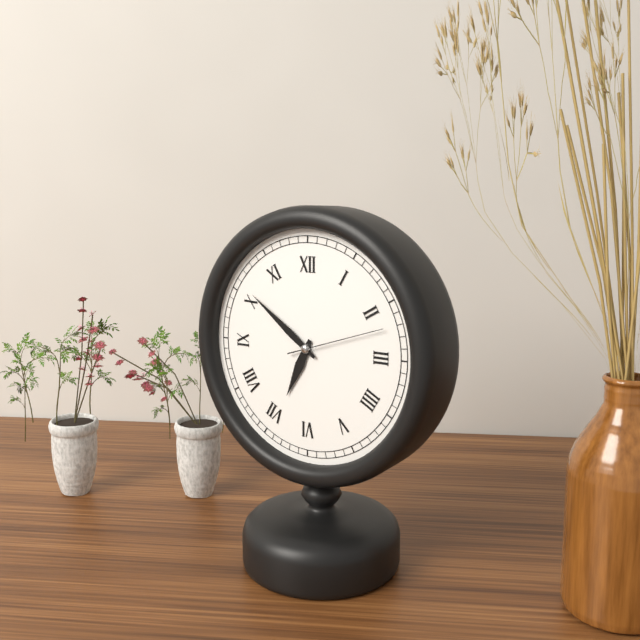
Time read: 6:51:12
